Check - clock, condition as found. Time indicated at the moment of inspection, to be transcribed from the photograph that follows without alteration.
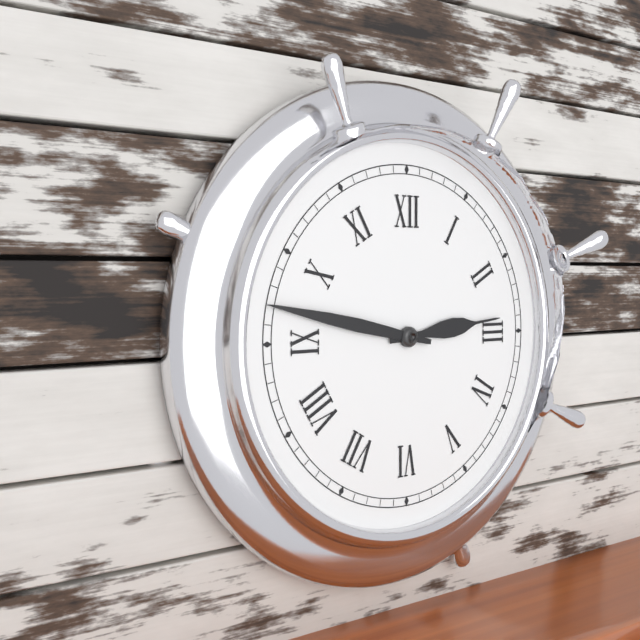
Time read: 2:47
